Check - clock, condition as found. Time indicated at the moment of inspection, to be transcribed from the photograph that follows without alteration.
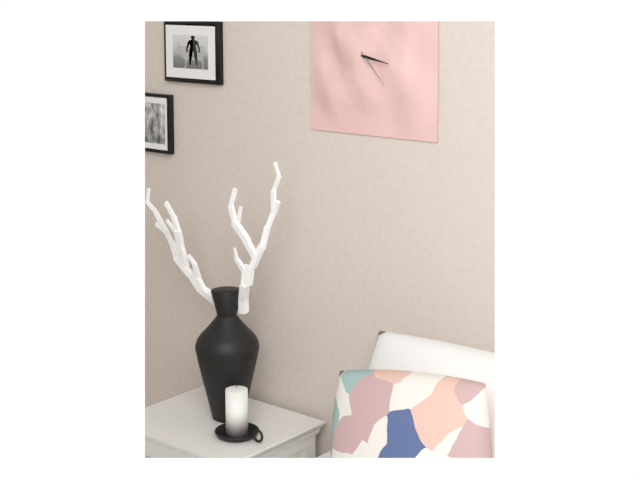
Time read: 3:23
